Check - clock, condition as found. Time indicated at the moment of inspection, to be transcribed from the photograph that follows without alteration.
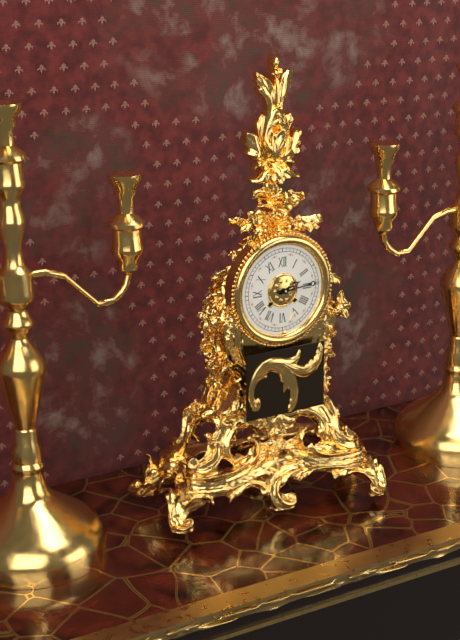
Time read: 2:14
